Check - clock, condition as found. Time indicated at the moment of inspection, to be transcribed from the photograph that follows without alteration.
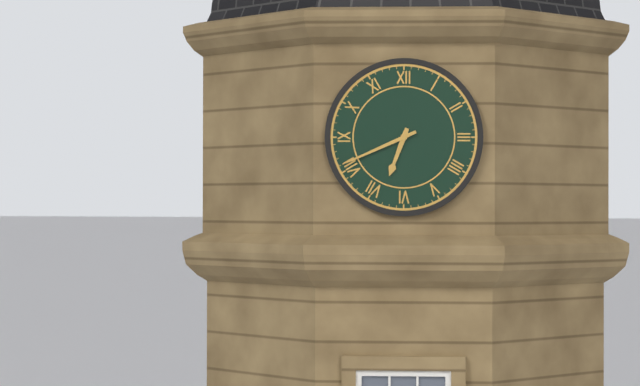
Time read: 6:41
